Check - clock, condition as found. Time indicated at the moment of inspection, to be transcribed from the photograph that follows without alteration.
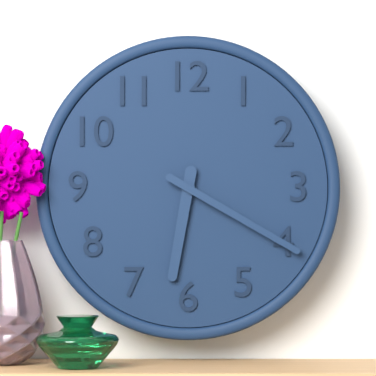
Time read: 6:20
